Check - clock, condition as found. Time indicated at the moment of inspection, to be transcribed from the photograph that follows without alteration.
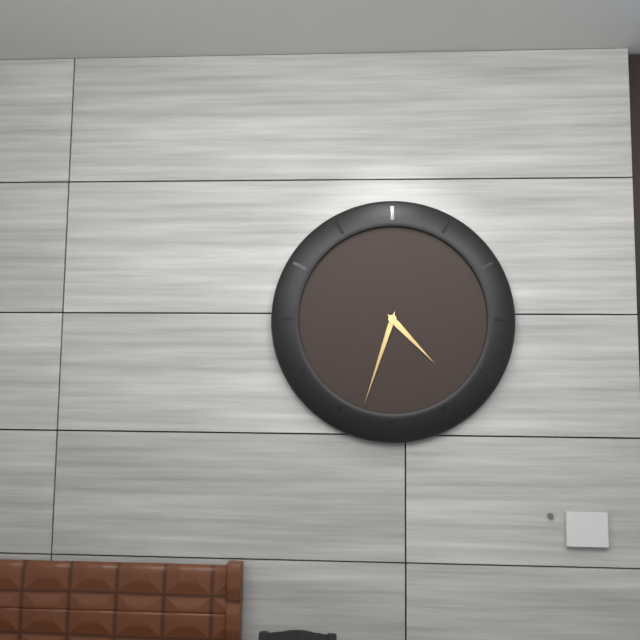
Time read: 4:33
